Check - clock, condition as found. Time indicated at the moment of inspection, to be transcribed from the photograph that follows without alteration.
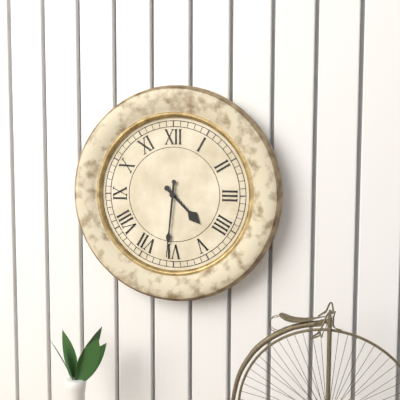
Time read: 4:31
